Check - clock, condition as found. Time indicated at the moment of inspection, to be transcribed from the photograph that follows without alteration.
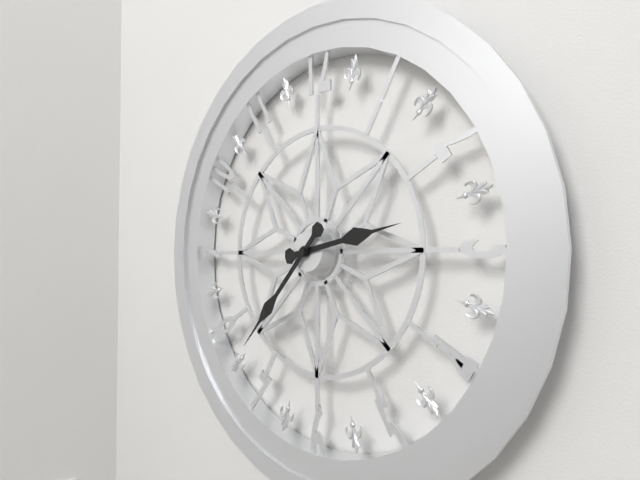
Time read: 2:37
